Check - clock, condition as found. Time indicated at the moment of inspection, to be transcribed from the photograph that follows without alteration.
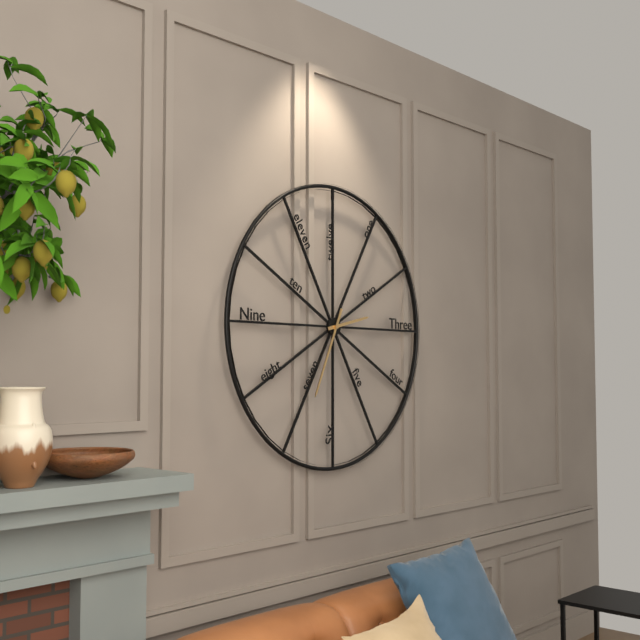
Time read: 2:34
